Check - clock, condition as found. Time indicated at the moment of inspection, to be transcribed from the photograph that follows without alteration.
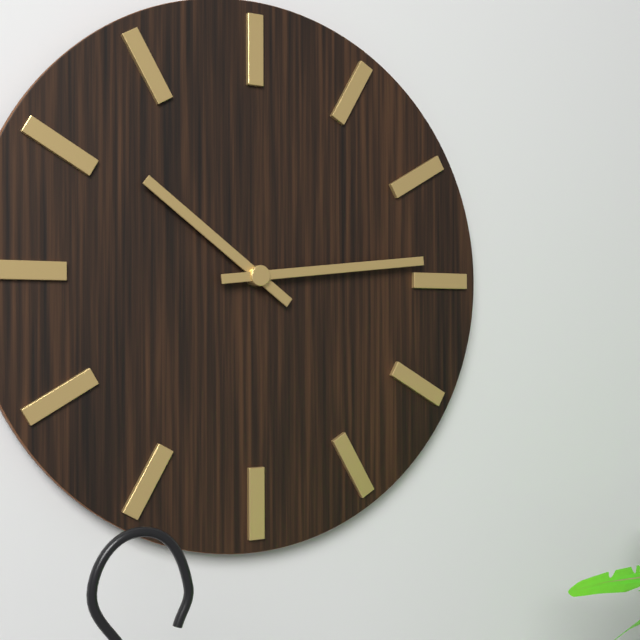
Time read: 10:14
